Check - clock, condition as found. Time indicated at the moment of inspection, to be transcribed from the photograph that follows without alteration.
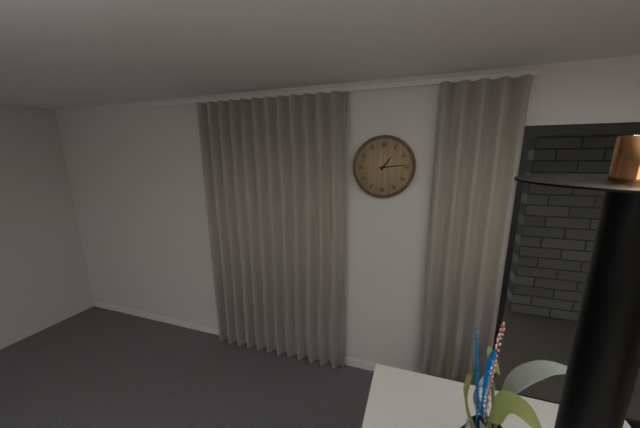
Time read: 1:14
